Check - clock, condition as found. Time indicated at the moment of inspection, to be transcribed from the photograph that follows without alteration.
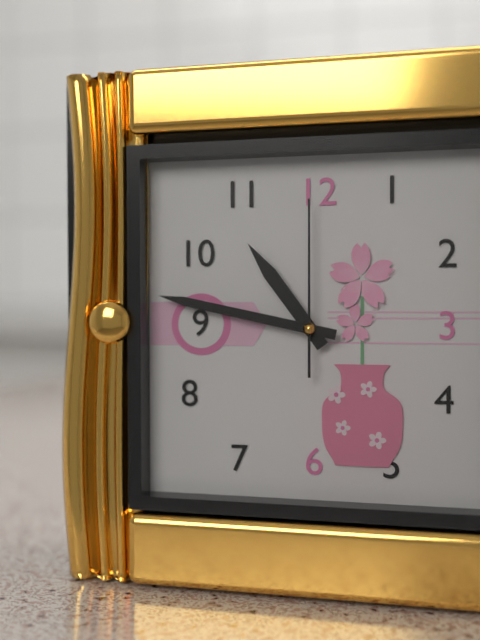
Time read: 10:47:00
